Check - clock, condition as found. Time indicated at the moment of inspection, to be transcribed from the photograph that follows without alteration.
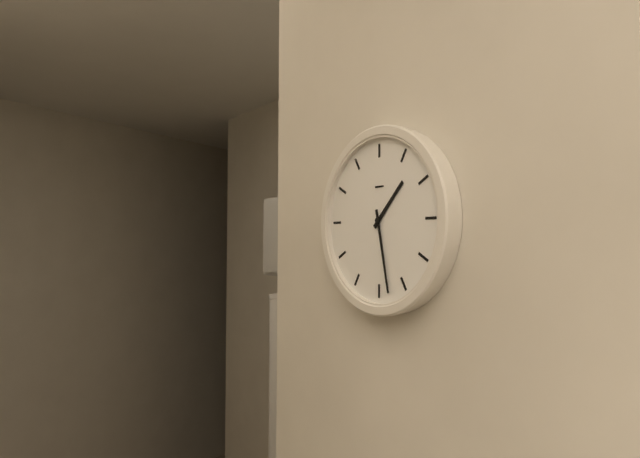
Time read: 1:28
